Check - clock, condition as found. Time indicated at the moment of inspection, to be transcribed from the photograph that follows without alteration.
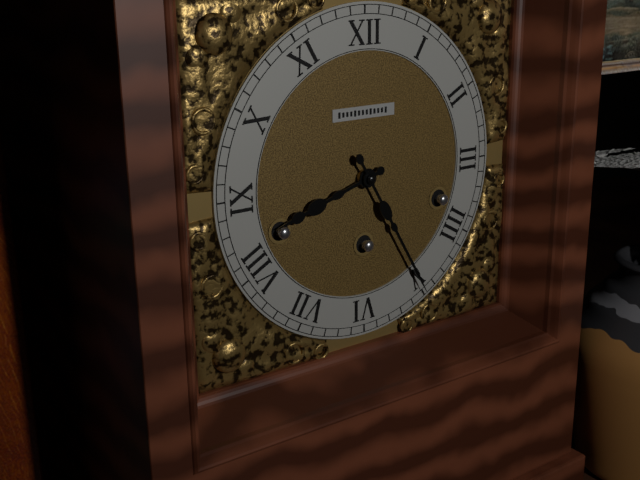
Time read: 8:25
